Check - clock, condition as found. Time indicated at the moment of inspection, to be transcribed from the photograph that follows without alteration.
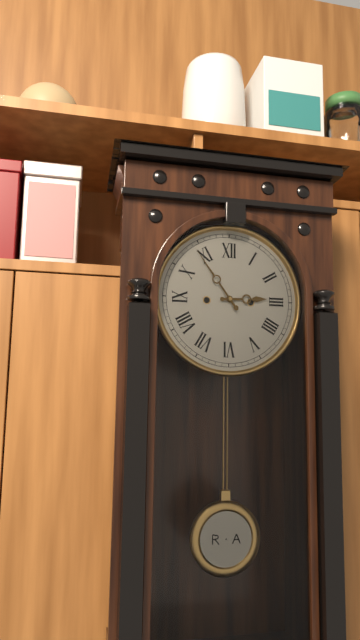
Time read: 2:54
